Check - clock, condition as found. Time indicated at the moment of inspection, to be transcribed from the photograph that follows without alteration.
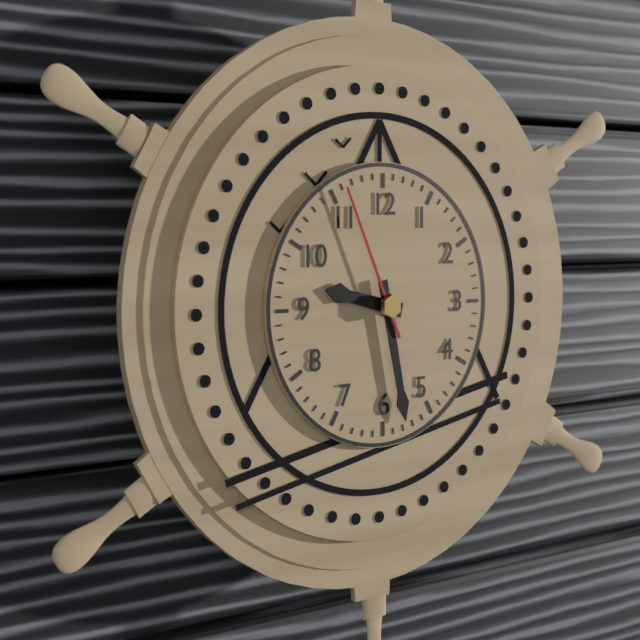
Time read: 9:28:56
